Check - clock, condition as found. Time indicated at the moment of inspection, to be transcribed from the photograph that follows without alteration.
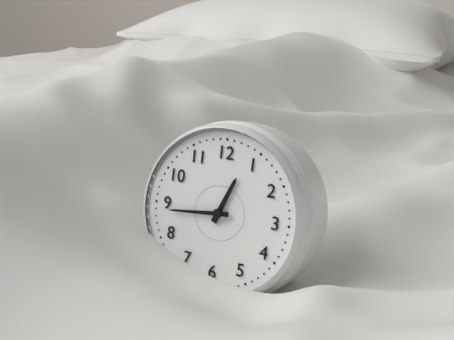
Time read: 12:44
